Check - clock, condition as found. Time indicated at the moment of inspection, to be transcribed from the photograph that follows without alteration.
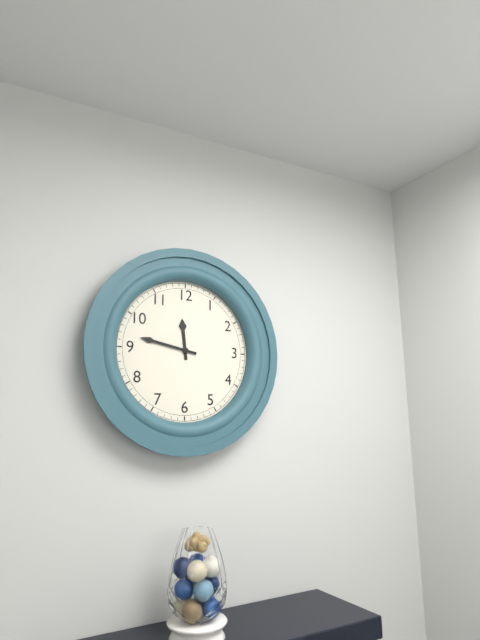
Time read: 11:47
